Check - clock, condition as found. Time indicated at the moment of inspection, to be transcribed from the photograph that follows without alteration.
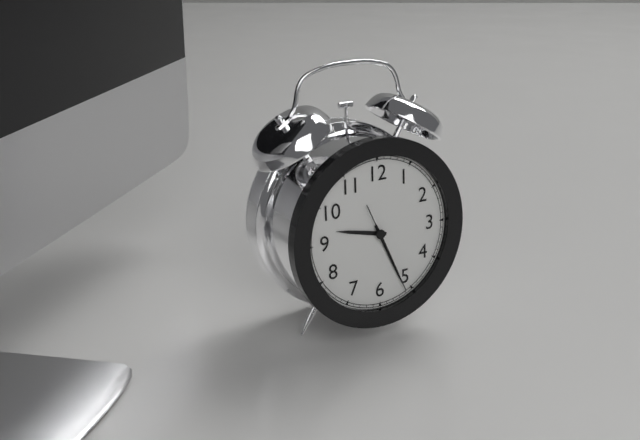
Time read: 9:26:26
